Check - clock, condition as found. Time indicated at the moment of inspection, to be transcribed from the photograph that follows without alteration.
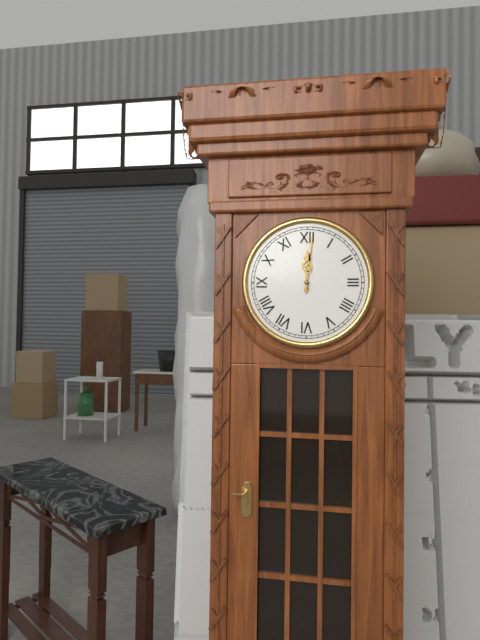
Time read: 12:01
